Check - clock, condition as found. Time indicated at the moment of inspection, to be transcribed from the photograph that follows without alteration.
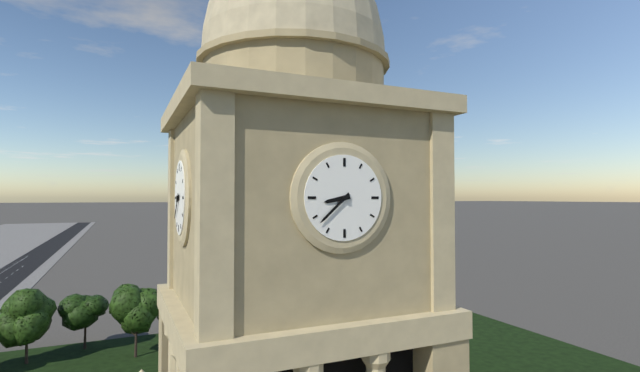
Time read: 8:38
